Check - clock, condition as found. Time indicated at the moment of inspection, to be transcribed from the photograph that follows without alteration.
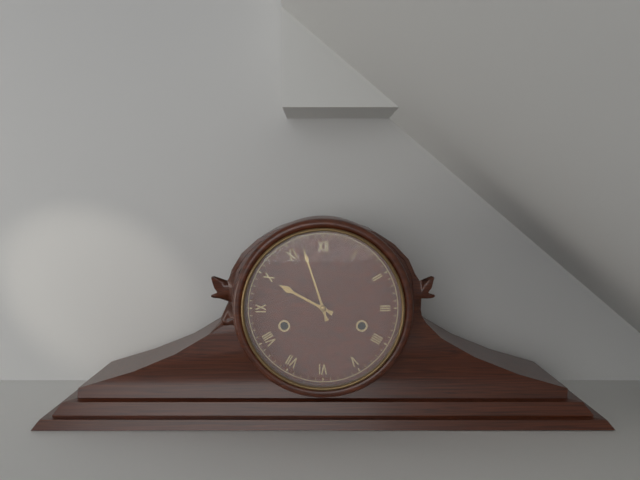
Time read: 9:57
